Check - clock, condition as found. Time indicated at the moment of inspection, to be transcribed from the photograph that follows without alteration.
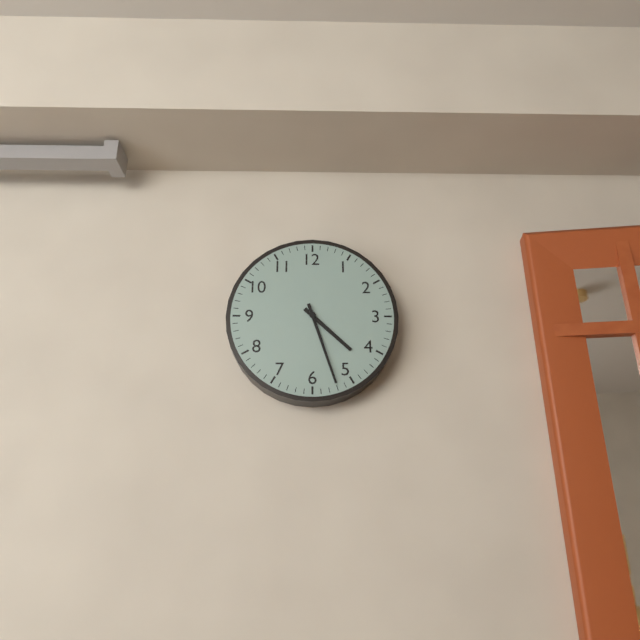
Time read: 4:27
